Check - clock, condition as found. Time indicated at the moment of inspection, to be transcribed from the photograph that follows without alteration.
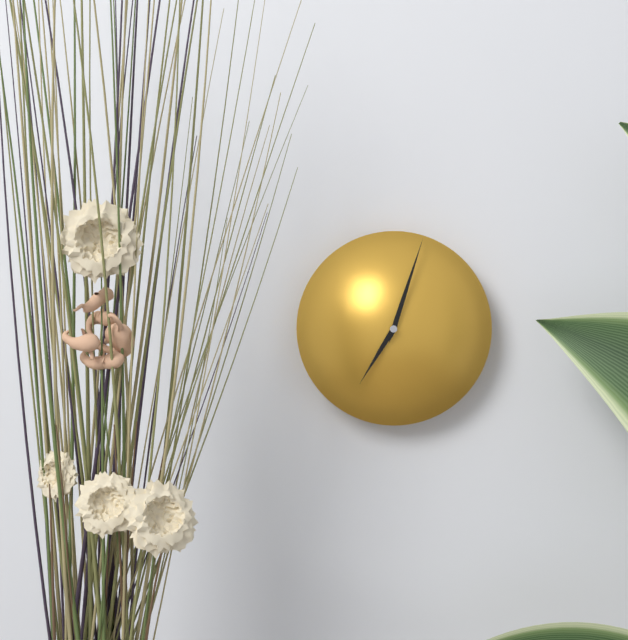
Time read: 7:03
